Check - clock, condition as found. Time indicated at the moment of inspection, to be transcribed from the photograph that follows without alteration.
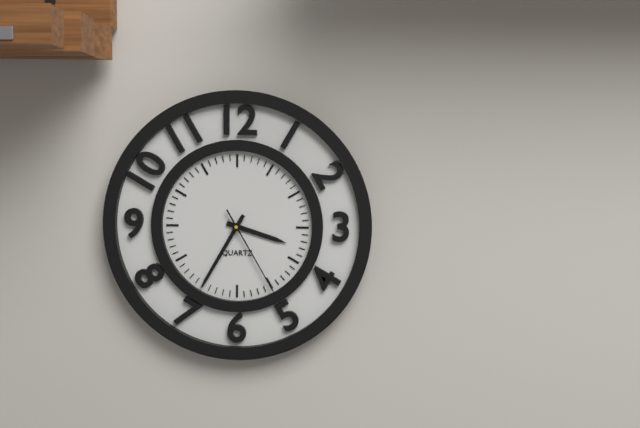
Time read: 3:35:25
